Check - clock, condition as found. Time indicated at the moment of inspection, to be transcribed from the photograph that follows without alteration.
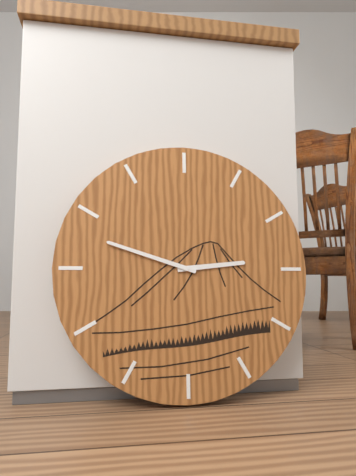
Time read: 2:48
